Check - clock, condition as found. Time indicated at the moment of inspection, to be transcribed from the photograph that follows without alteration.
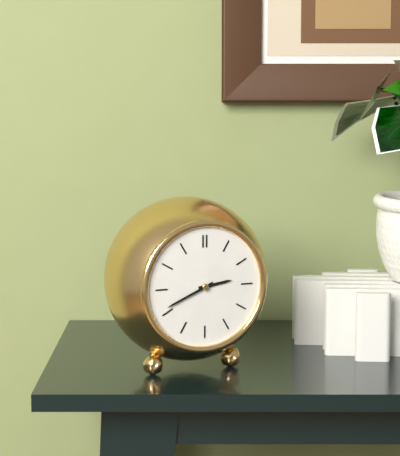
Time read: 2:41
